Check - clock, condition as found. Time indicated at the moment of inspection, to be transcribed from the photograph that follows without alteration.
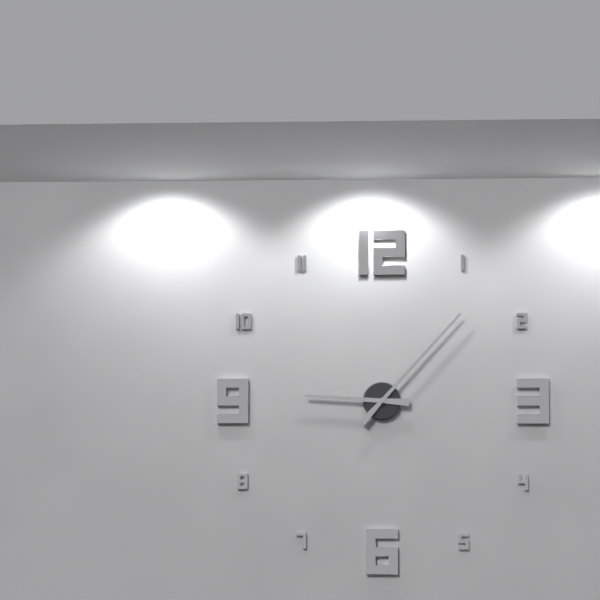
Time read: 9:07
